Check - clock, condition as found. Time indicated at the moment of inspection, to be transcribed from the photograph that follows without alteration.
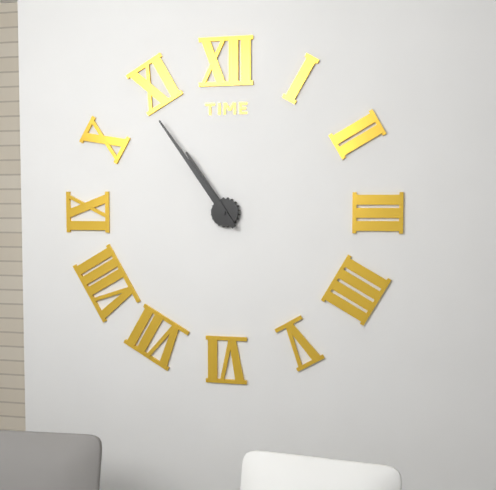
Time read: 10:54
